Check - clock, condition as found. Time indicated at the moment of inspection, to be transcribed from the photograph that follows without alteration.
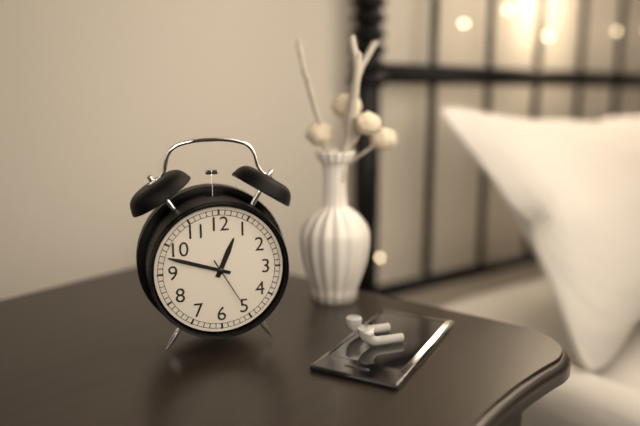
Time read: 12:48
